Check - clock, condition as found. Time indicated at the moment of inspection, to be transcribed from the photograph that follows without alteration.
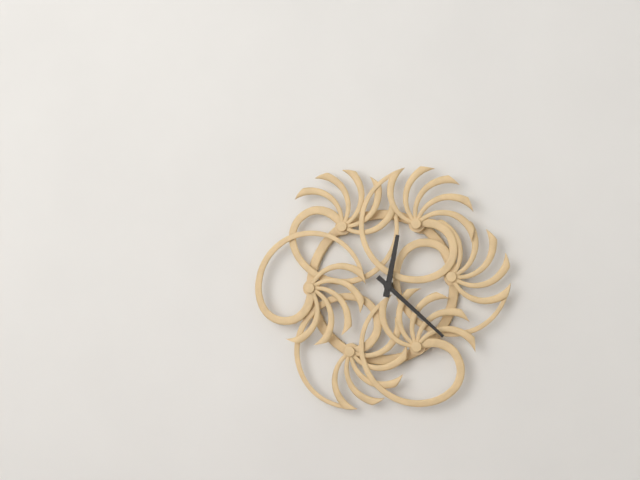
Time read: 12:22
